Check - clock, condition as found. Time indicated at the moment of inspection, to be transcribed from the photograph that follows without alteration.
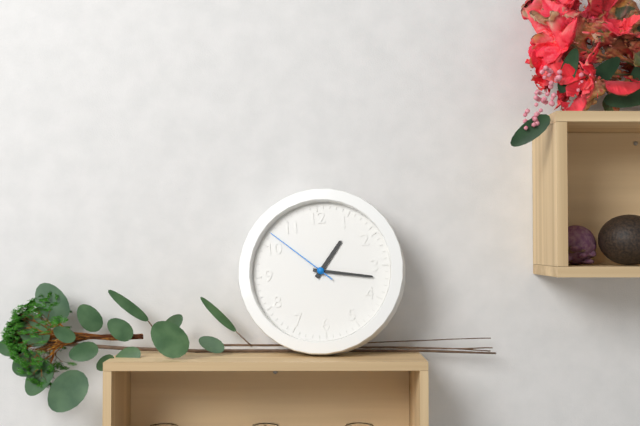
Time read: 1:17:52
